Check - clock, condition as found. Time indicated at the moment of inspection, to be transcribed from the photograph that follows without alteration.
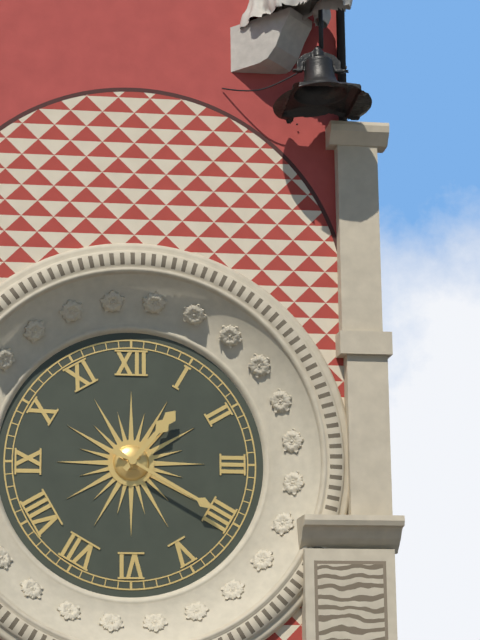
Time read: 1:20
